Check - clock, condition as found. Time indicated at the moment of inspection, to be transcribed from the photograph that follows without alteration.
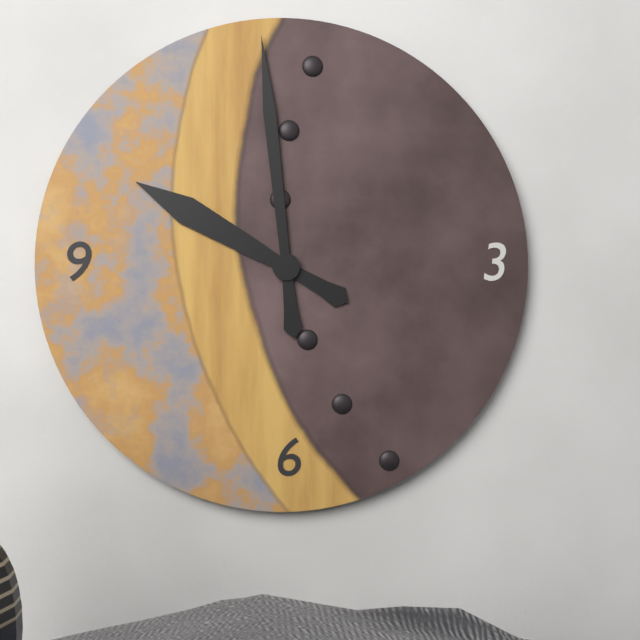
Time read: 9:59
